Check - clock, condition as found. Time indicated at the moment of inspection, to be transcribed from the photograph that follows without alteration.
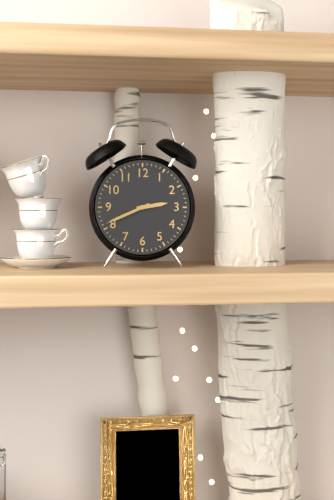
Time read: 2:41
